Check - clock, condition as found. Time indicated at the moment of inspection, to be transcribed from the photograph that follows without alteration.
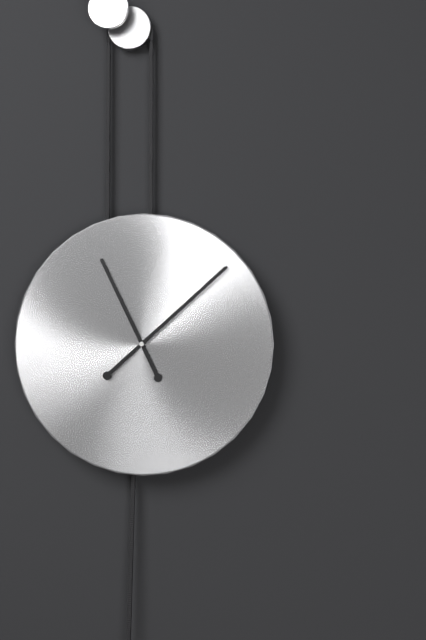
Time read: 11:08
